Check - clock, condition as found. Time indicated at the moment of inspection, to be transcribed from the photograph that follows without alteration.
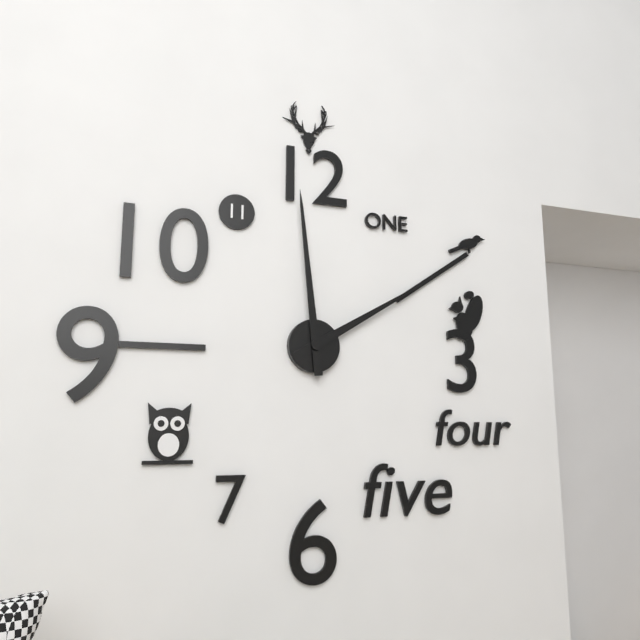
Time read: 1:59
